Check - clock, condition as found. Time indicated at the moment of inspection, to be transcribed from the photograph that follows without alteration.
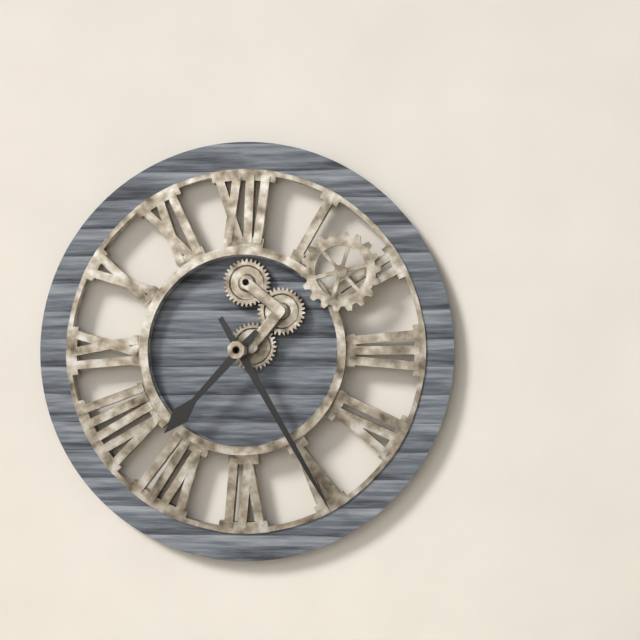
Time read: 7:25
